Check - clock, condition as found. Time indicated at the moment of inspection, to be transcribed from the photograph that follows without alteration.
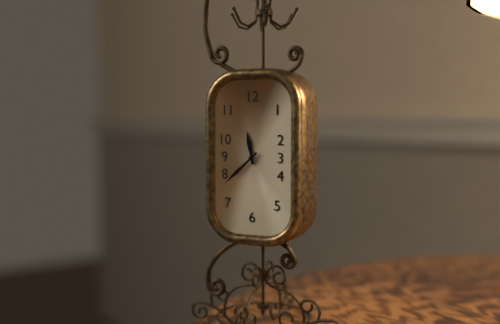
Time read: 11:38
